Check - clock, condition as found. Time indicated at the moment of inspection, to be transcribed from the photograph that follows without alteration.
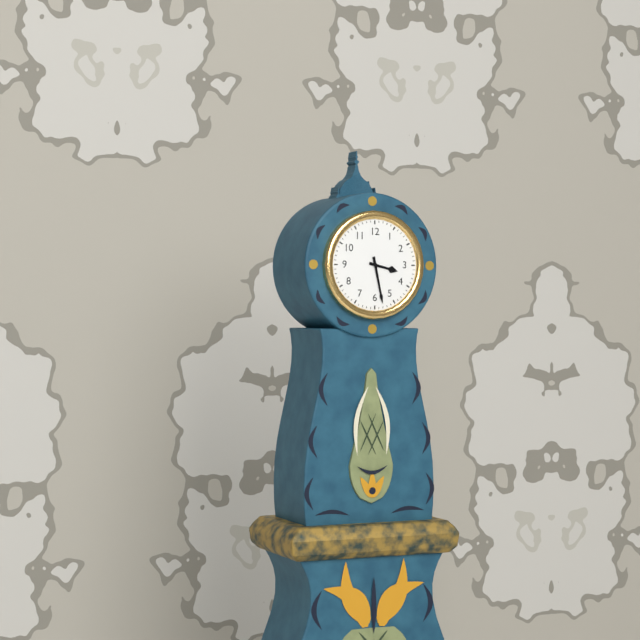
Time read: 3:28
